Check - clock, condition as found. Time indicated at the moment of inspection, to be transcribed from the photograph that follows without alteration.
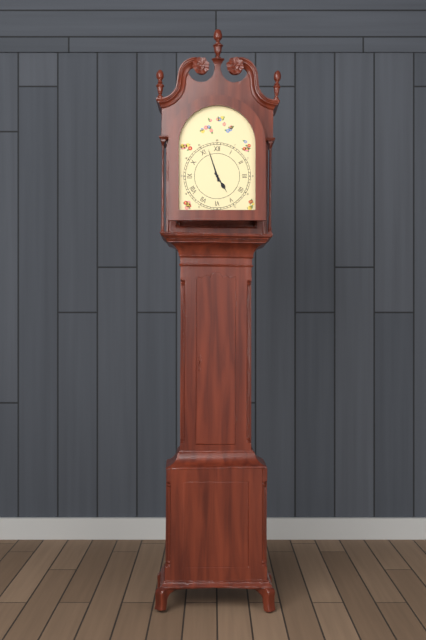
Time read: 4:57
